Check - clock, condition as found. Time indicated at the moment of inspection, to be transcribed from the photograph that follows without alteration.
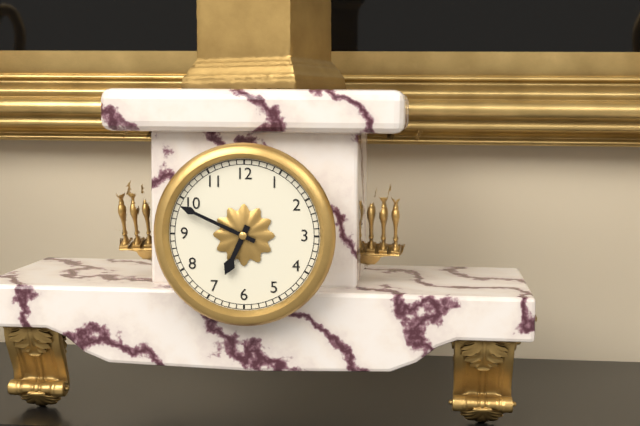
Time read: 6:49
